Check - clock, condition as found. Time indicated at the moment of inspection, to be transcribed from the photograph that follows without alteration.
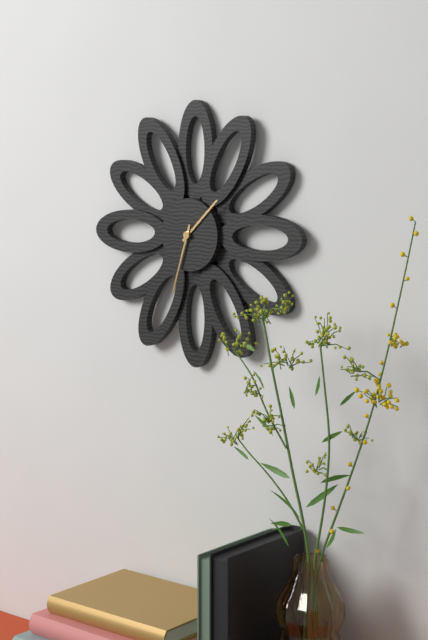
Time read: 1:33
